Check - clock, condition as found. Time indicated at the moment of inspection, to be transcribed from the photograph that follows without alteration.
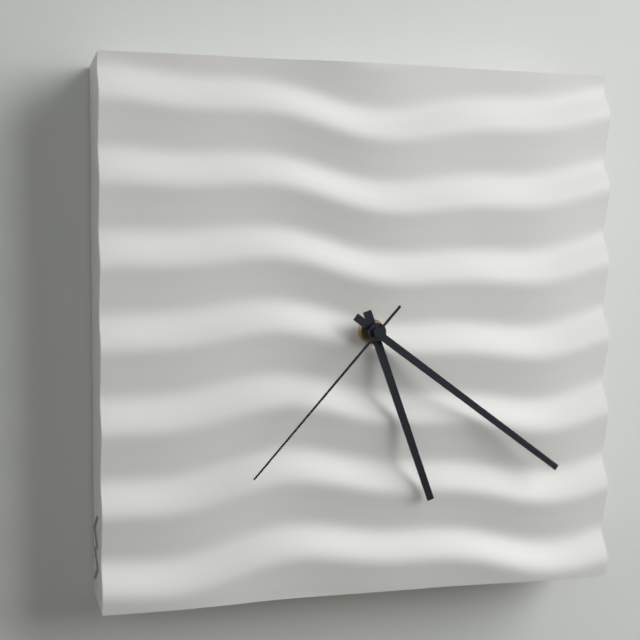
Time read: 5:21:37
